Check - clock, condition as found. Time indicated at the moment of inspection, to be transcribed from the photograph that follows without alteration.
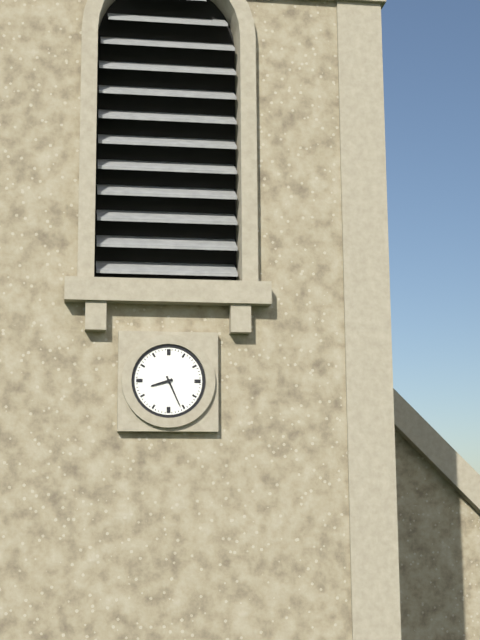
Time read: 8:26
